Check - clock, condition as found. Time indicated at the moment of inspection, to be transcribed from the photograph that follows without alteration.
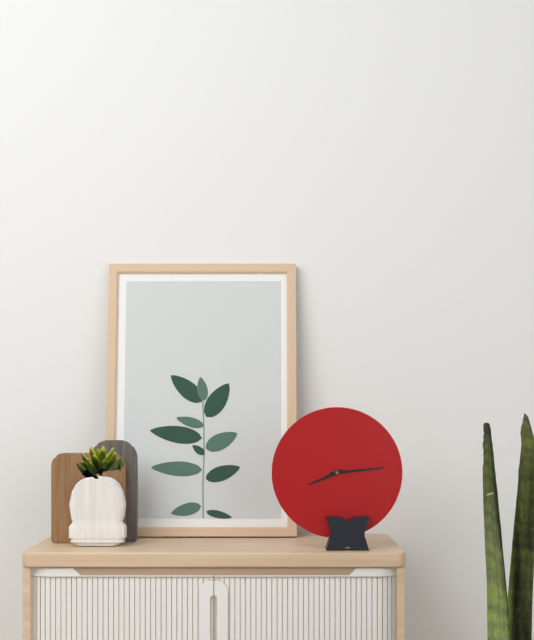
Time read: 8:14
